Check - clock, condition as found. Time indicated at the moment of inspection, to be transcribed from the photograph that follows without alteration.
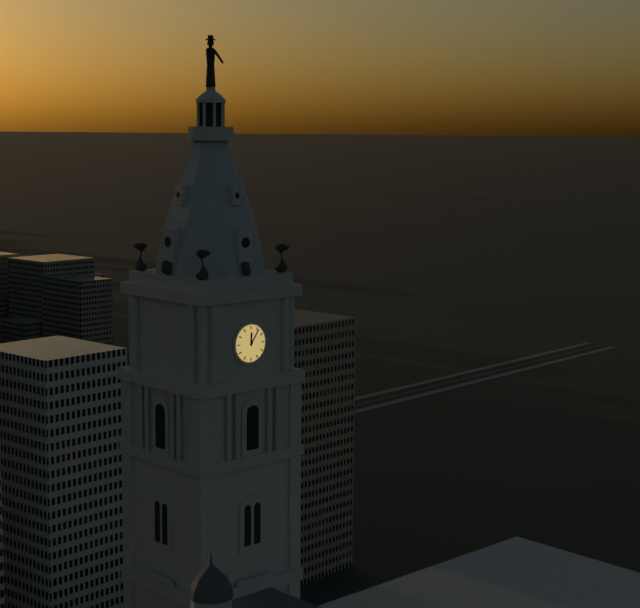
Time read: 12:06
